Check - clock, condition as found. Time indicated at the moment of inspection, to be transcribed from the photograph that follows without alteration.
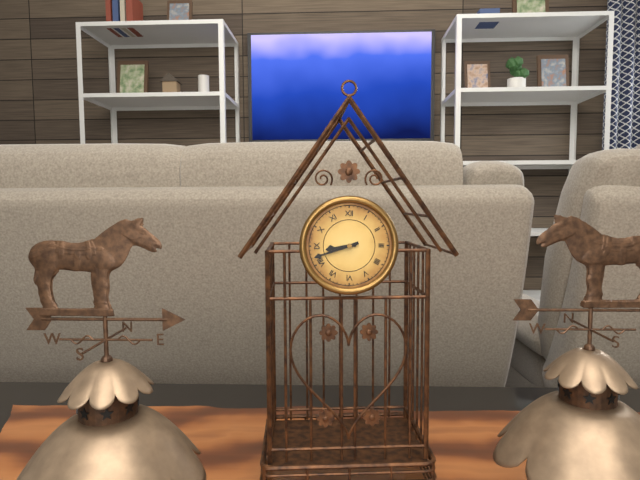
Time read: 8:42
